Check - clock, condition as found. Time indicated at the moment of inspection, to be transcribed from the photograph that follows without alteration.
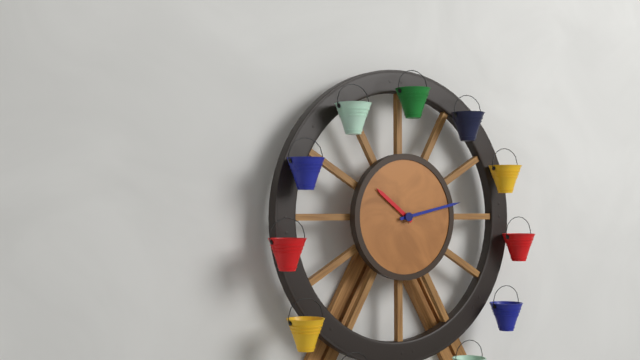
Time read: 10:13
